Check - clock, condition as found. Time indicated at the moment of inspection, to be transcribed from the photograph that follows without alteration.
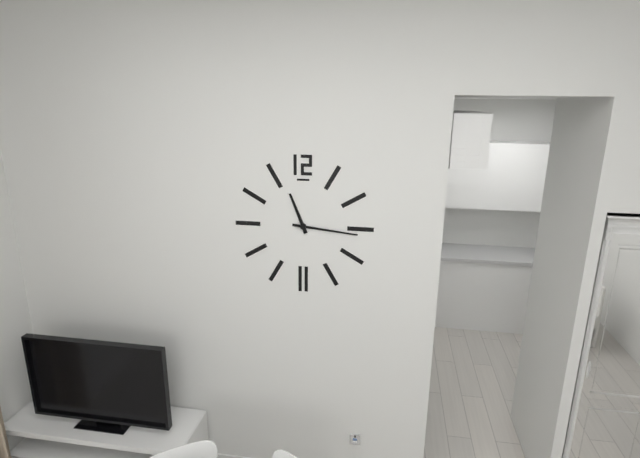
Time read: 11:16
